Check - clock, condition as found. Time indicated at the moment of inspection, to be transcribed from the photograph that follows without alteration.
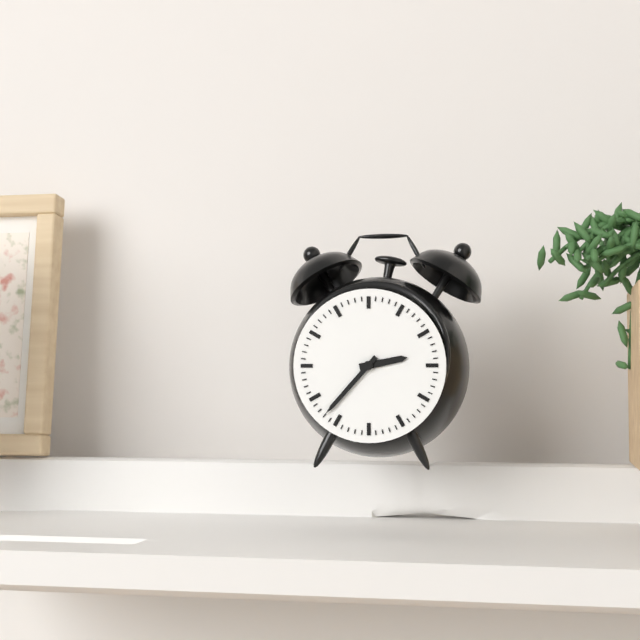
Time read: 2:37
